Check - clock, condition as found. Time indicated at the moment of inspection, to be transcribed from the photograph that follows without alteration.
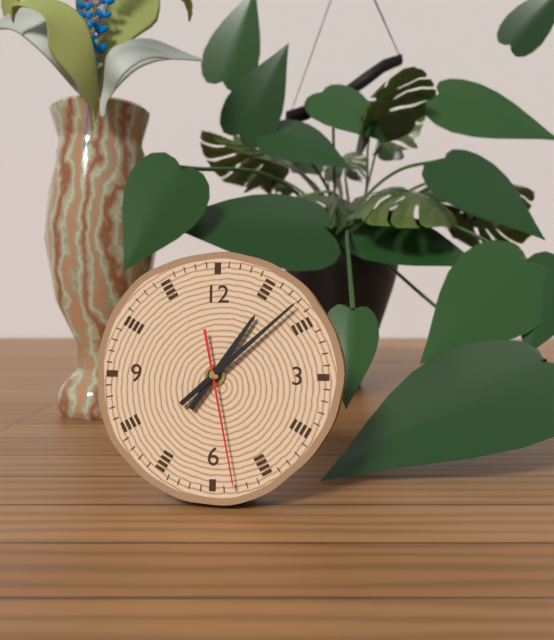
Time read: 1:08:28
